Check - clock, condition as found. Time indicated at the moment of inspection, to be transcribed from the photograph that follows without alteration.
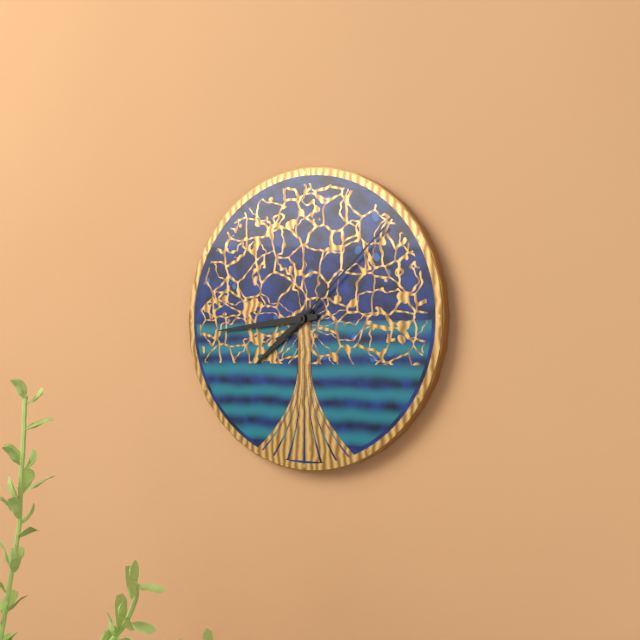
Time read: 7:44:08
